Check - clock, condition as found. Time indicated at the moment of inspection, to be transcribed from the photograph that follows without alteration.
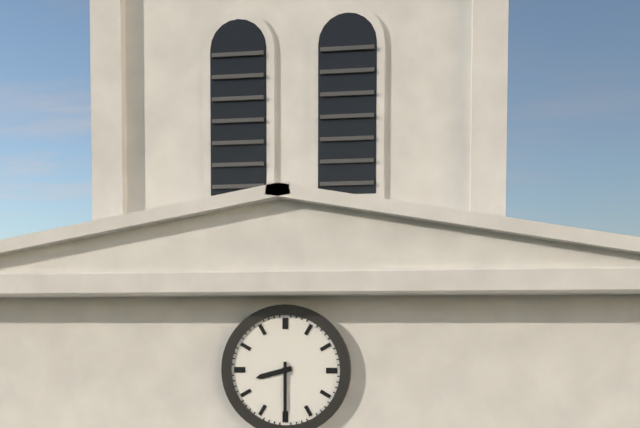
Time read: 8:30
